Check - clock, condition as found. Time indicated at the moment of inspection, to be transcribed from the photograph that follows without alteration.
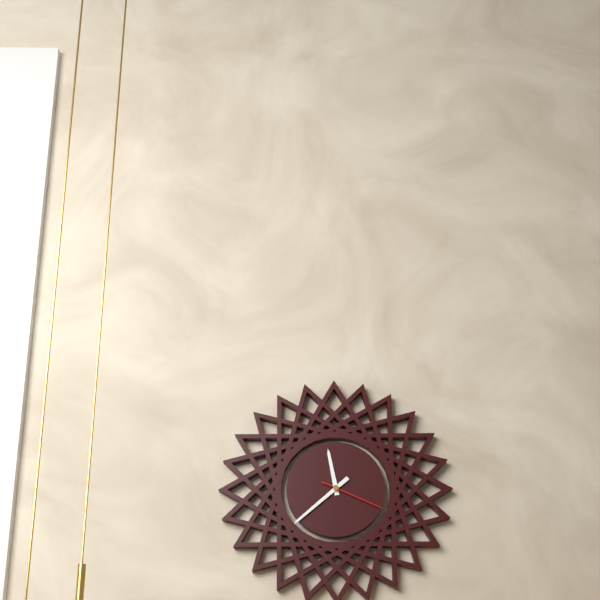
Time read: 11:38:19
